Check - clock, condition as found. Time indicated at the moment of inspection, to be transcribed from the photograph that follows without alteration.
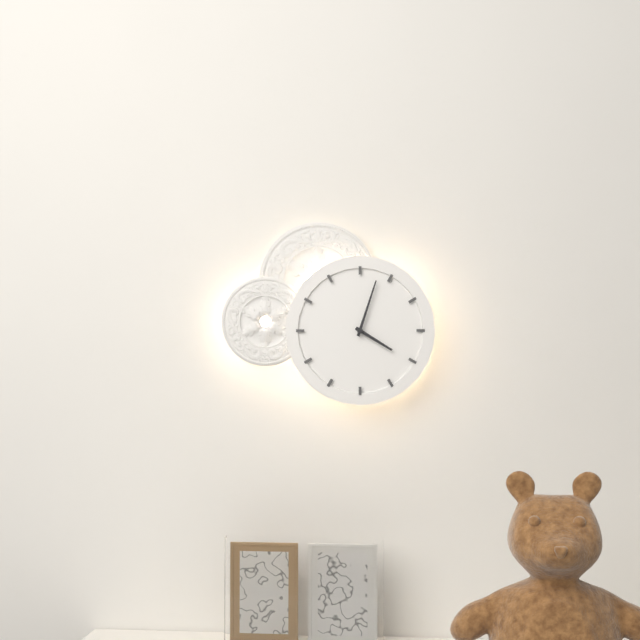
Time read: 4:03
